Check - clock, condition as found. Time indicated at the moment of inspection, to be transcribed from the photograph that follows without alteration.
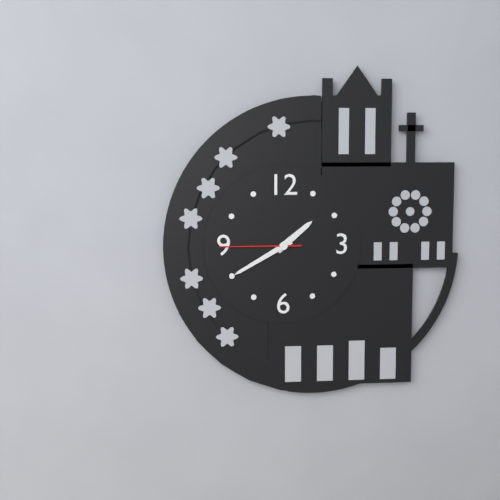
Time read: 1:40:45
